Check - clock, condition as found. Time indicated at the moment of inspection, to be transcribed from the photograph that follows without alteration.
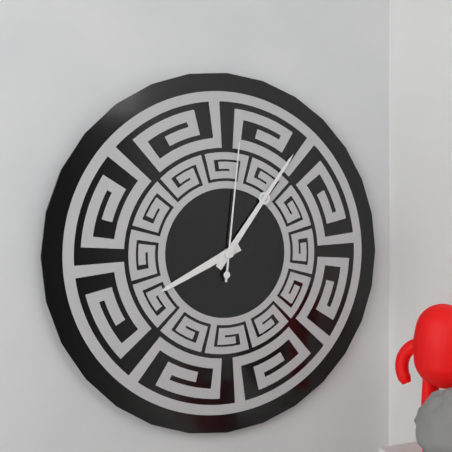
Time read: 8:06:01
